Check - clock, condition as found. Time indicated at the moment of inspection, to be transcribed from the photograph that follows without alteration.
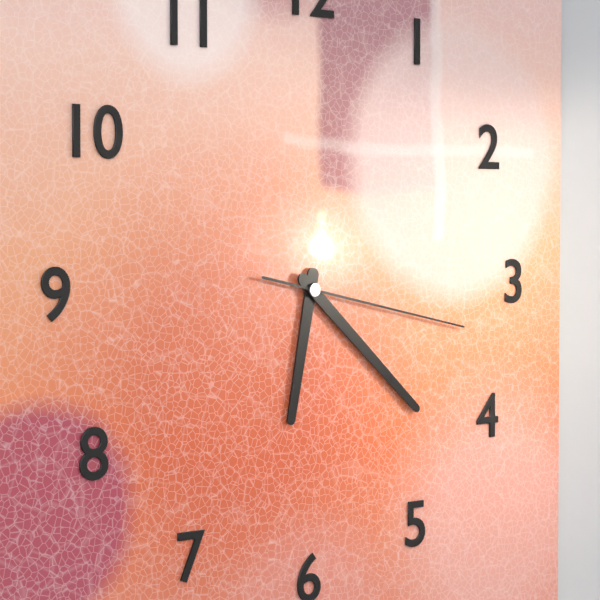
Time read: 6:22:17
